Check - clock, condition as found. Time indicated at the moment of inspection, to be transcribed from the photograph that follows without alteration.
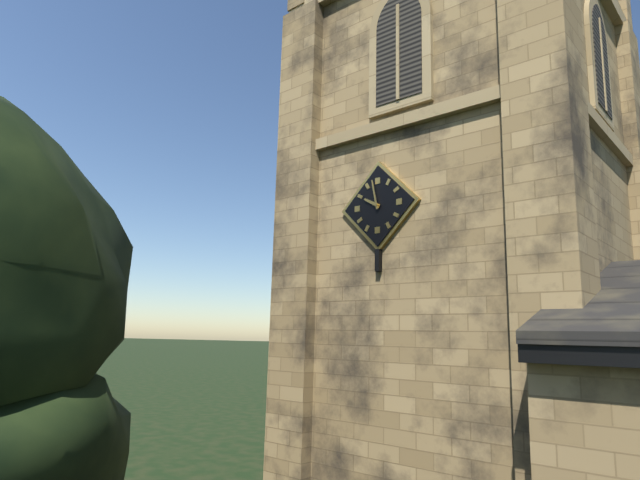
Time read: 9:58
